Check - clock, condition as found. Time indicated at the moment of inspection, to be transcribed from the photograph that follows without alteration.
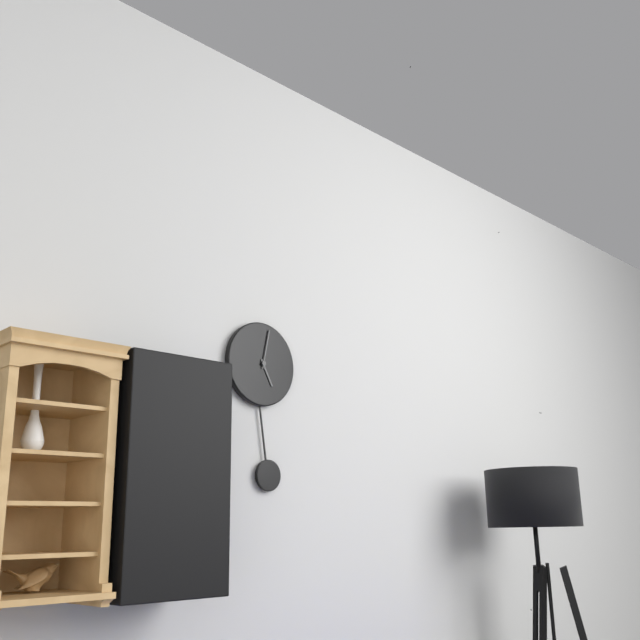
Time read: 5:02
